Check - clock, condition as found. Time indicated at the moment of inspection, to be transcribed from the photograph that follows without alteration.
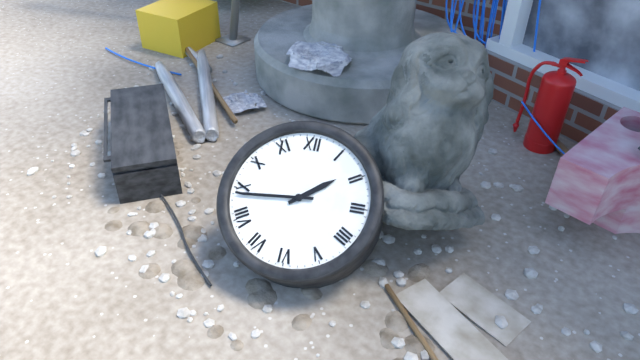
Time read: 1:44
